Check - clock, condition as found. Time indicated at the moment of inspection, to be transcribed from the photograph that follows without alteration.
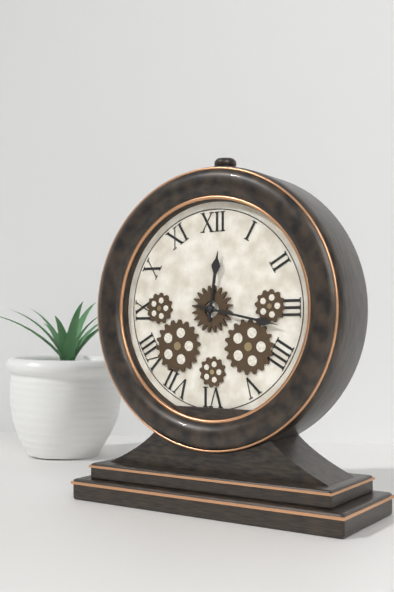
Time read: 12:17
